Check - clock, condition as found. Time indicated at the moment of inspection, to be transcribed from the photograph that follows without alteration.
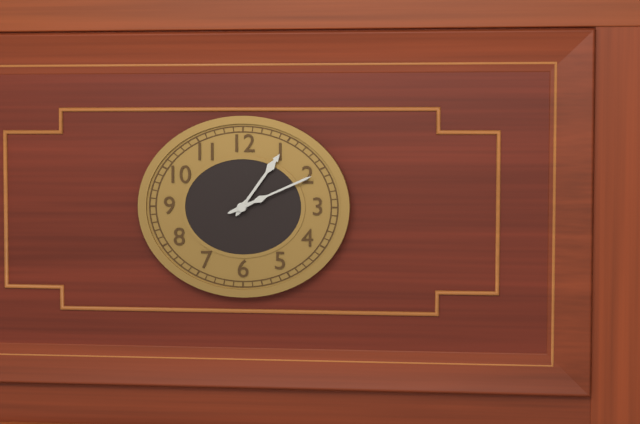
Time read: 1:11
